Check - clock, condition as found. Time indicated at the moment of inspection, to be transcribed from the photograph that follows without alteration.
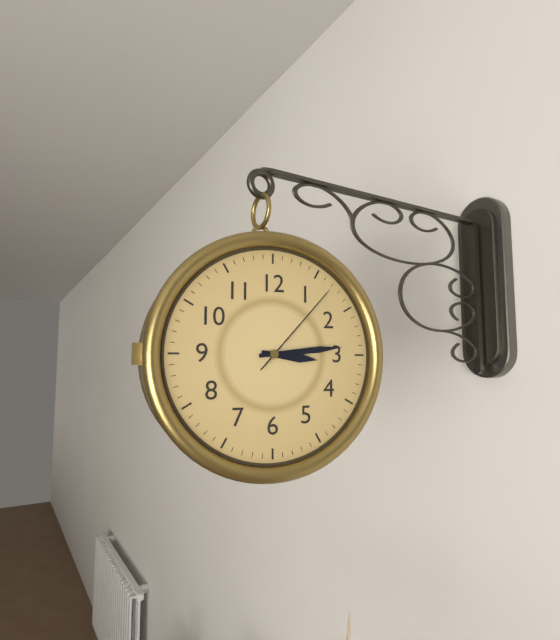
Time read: 3:14:07
